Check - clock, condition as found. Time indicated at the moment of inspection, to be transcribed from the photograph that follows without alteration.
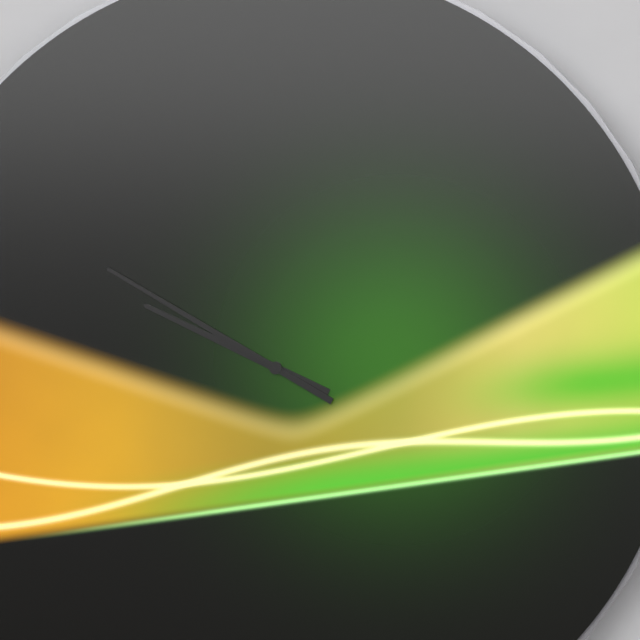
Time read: 9:50
